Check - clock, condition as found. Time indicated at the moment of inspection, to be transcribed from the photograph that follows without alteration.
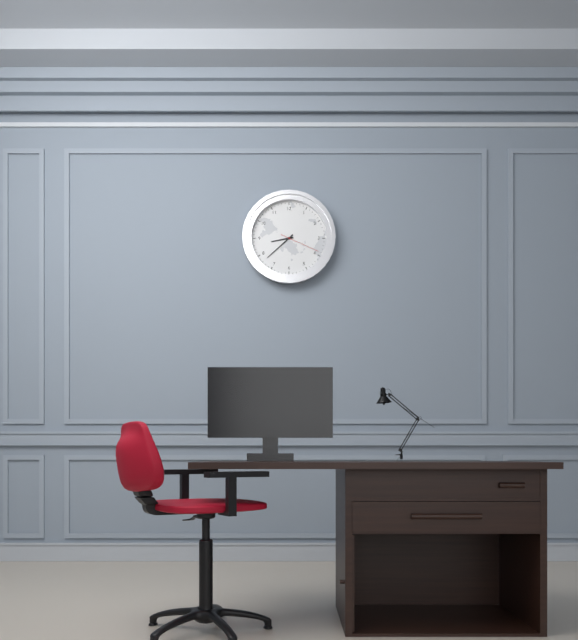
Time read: 8:38
